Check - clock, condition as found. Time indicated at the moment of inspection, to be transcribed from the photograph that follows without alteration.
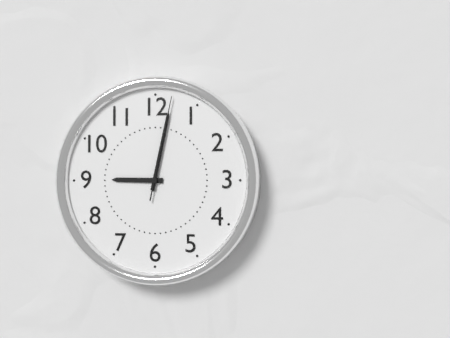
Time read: 9:02:02
